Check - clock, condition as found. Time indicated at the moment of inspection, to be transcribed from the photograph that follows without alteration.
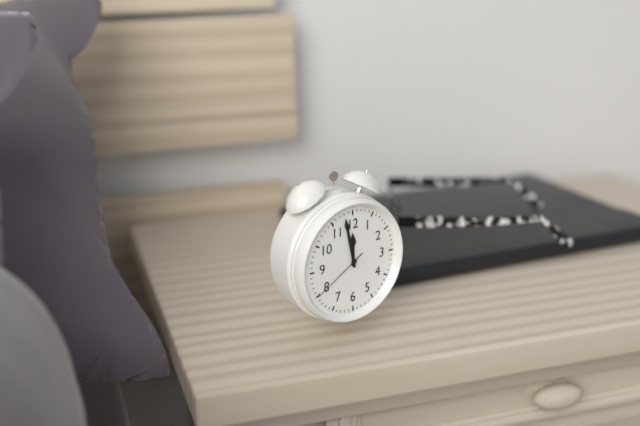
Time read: 11:58:40
